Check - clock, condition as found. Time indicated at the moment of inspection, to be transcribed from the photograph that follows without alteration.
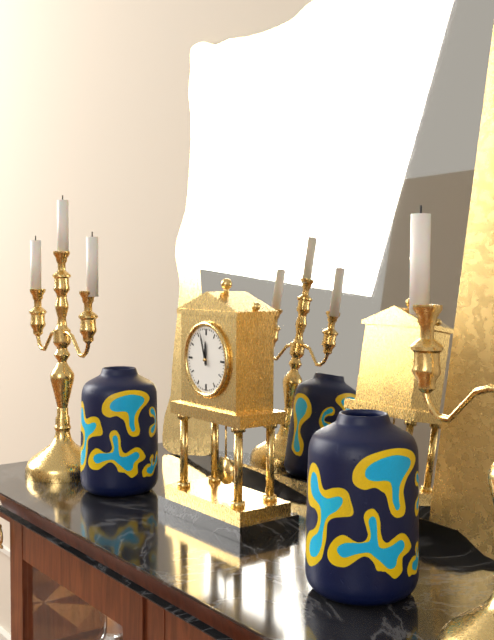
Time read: 11:57
